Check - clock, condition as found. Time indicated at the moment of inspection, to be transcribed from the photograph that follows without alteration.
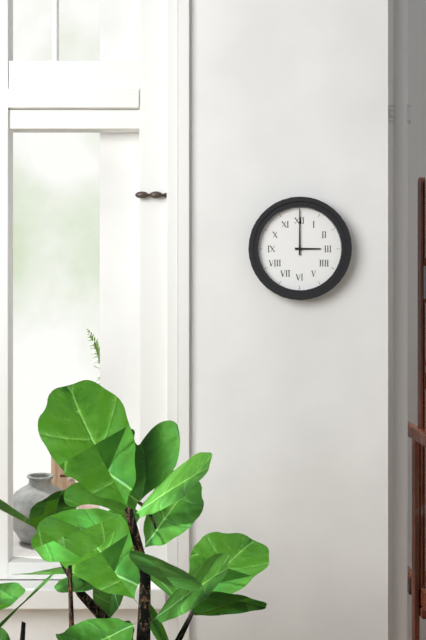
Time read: 3:00
